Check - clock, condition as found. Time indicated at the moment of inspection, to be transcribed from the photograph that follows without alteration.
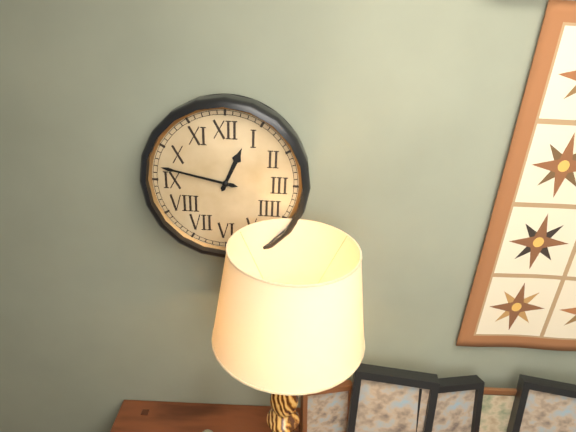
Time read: 12:47
